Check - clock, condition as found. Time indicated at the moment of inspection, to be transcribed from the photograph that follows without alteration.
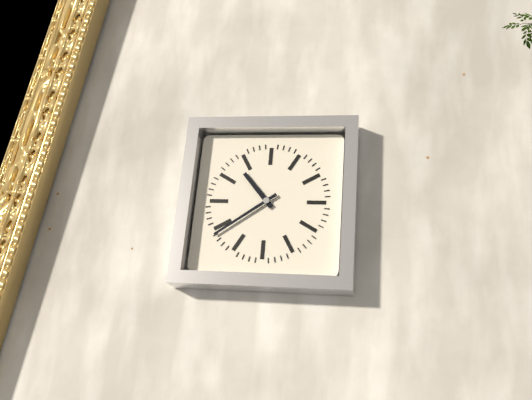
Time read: 10:39
